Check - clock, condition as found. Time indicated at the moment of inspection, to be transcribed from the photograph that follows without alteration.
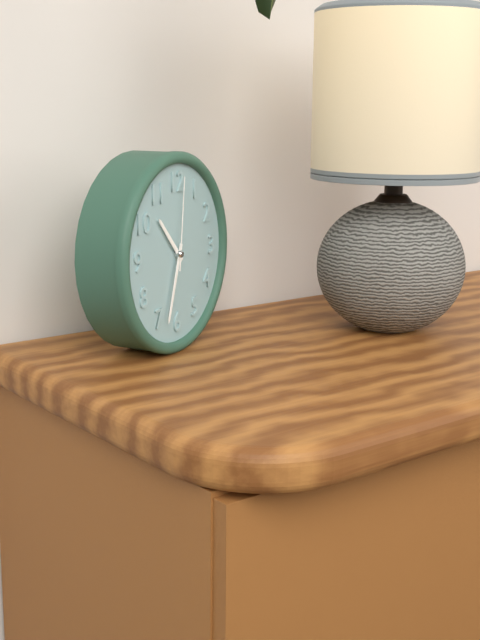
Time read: 10:33:01
